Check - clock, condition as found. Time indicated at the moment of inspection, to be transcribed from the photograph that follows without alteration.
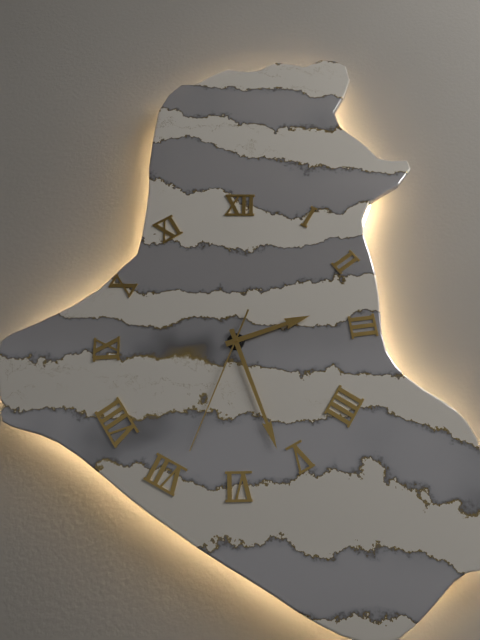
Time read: 2:27:34
